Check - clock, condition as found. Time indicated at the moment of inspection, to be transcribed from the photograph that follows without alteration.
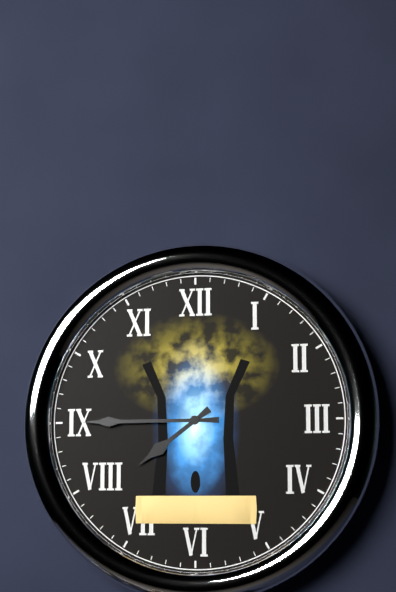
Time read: 7:45
